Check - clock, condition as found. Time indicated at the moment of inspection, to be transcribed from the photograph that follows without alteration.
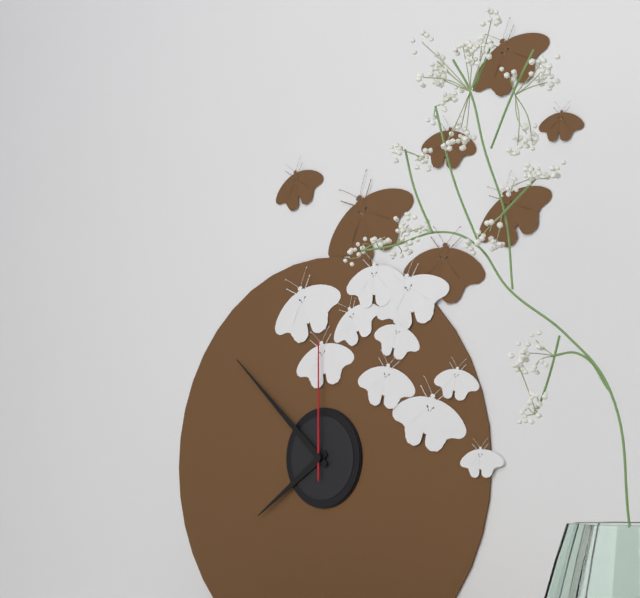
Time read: 7:52:00
